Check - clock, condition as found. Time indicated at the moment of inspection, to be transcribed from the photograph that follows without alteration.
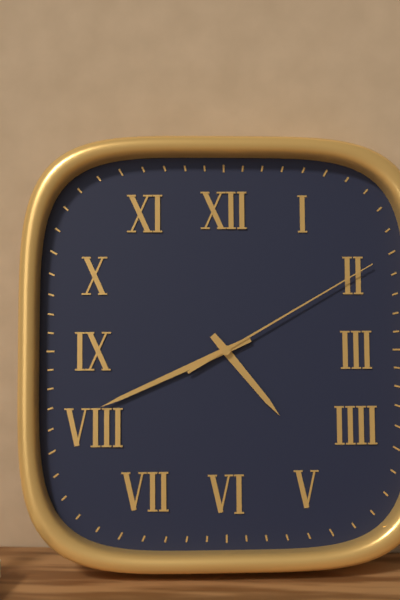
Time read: 4:41:10
